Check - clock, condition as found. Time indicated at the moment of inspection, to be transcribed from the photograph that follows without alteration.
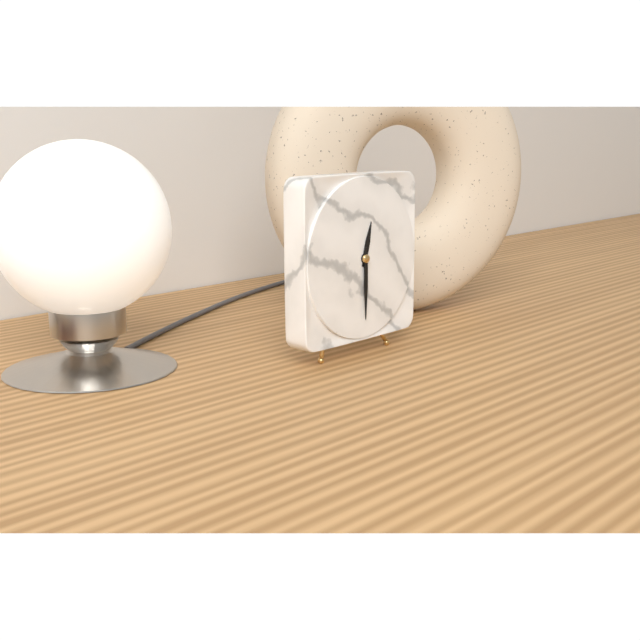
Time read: 12:30
